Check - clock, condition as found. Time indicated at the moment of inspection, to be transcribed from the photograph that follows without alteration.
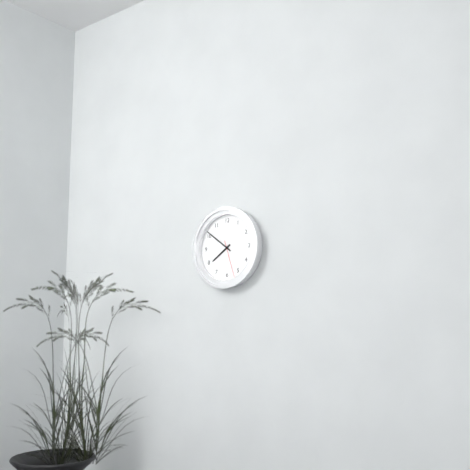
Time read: 7:51
